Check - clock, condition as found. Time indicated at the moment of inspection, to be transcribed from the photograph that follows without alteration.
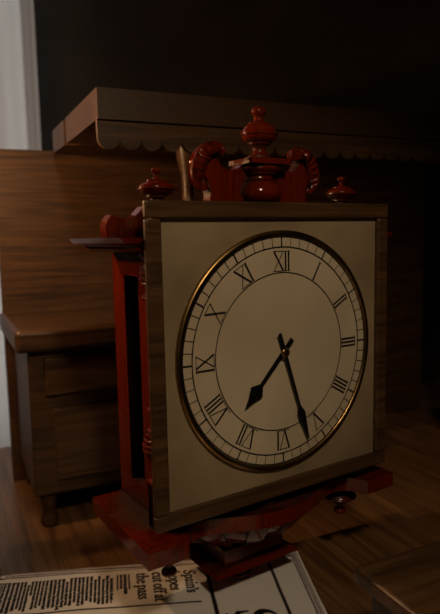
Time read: 7:27
